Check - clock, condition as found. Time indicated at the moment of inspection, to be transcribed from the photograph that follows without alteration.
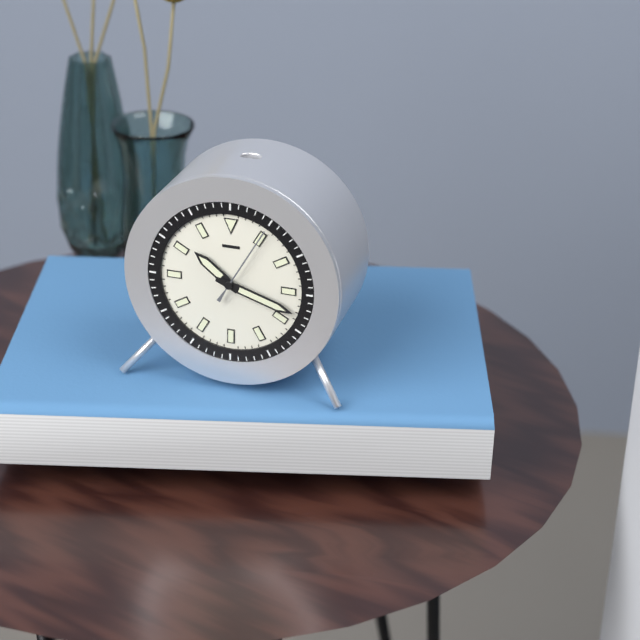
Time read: 10:18:05
